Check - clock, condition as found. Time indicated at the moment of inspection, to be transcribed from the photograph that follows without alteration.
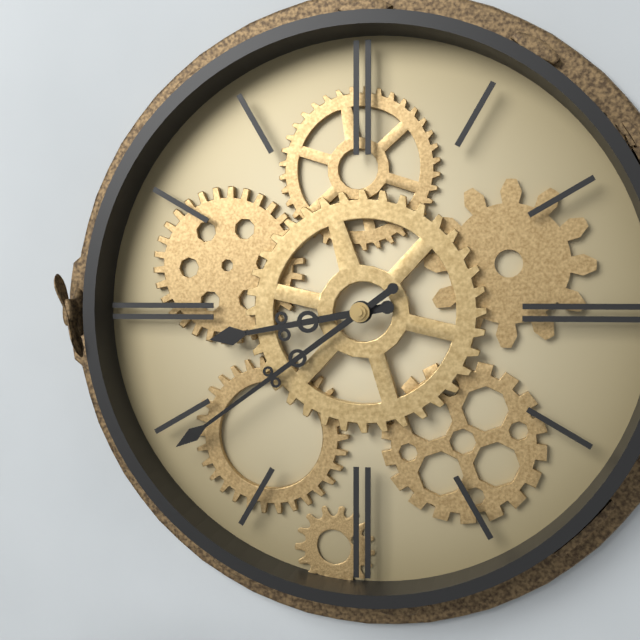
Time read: 8:39
